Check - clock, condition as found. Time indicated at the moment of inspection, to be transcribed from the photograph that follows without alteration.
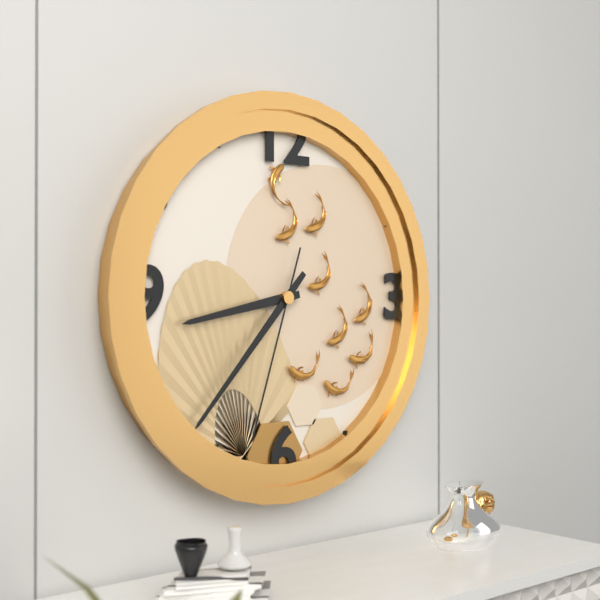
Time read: 8:37:33
